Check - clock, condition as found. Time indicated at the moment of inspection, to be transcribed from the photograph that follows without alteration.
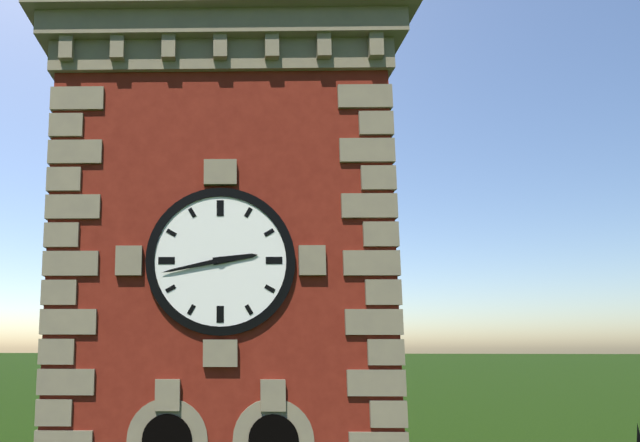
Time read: 2:43
